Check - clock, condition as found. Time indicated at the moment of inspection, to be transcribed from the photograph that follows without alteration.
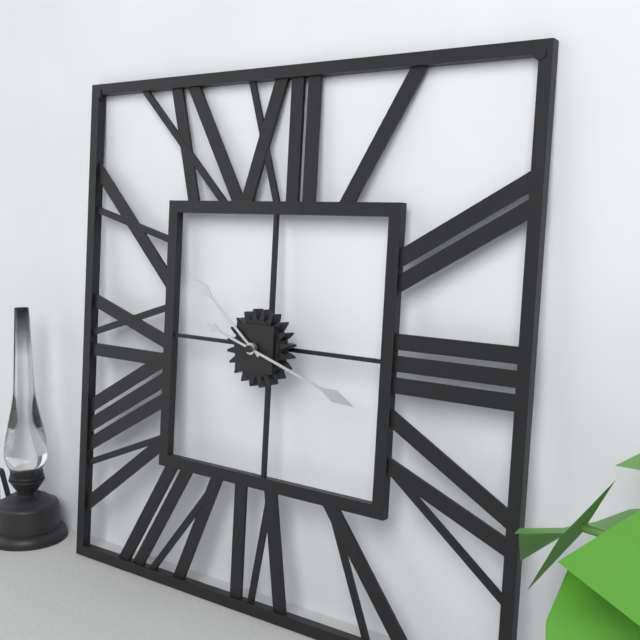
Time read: 10:18
